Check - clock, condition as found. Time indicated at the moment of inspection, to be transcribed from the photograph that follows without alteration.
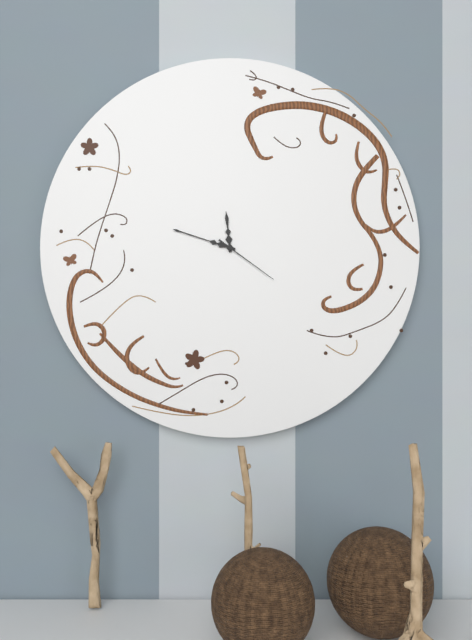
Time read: 11:48:21
